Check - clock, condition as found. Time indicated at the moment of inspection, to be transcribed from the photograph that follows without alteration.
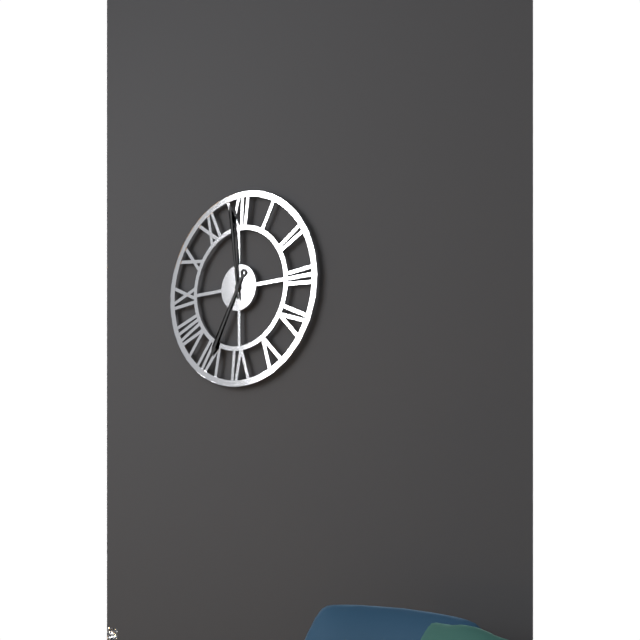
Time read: 6:59
